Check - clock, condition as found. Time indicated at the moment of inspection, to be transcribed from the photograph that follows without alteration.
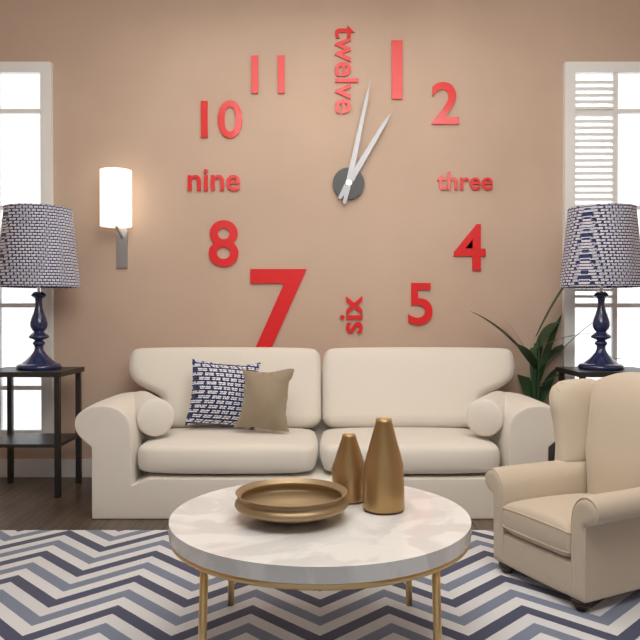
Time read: 1:02
